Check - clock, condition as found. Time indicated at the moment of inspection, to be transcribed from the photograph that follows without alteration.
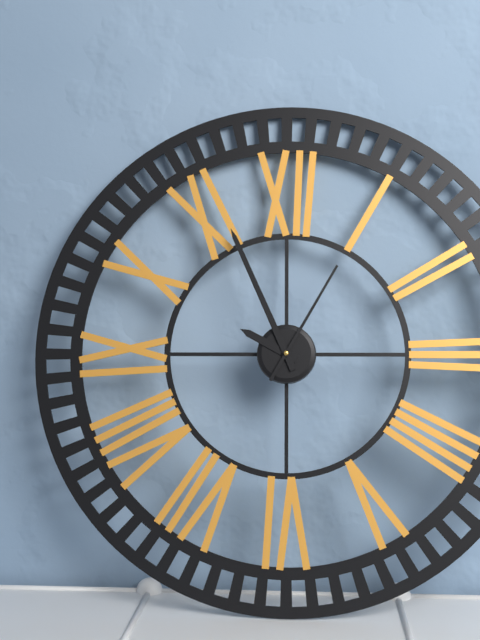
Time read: 9:56:05
